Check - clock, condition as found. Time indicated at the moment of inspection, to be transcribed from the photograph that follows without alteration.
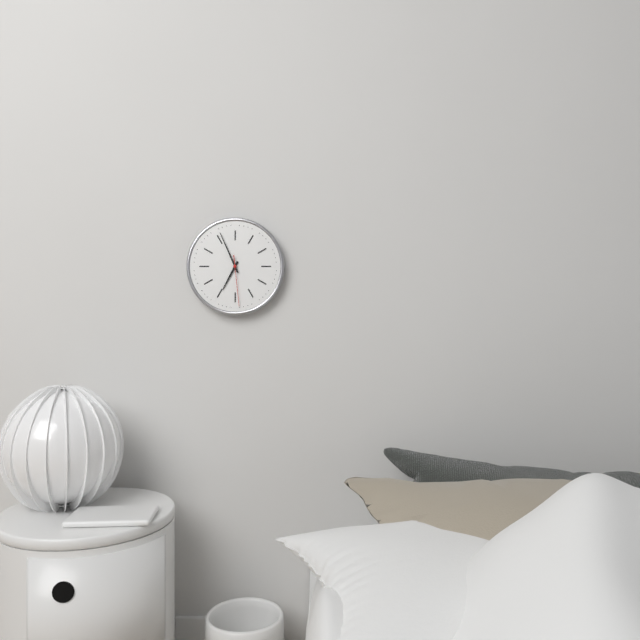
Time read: 6:56:29
